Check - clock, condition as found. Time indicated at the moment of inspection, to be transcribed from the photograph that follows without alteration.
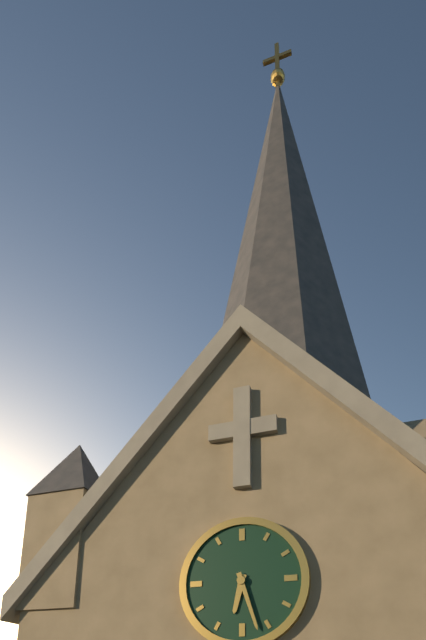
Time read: 6:27
